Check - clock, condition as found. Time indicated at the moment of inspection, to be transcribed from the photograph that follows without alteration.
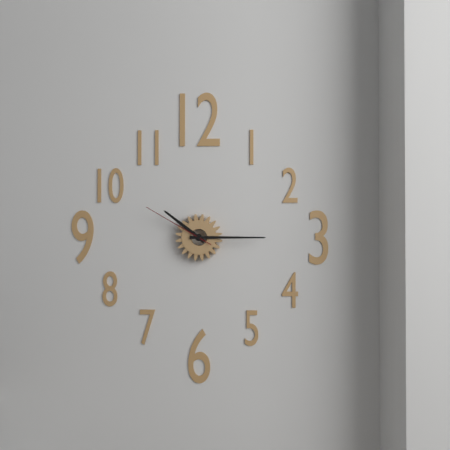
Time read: 10:15:50
